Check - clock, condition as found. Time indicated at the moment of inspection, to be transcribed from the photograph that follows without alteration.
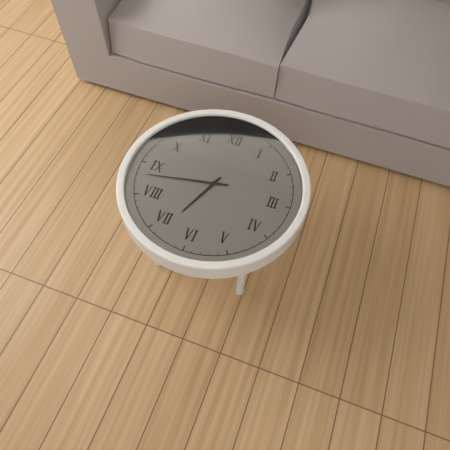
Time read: 6:43
